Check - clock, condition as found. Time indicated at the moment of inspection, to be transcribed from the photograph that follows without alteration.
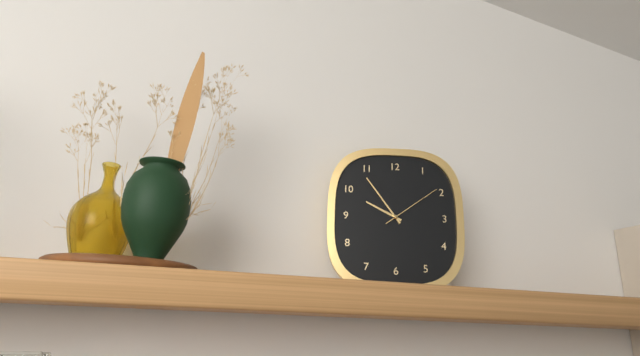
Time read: 9:54:09
